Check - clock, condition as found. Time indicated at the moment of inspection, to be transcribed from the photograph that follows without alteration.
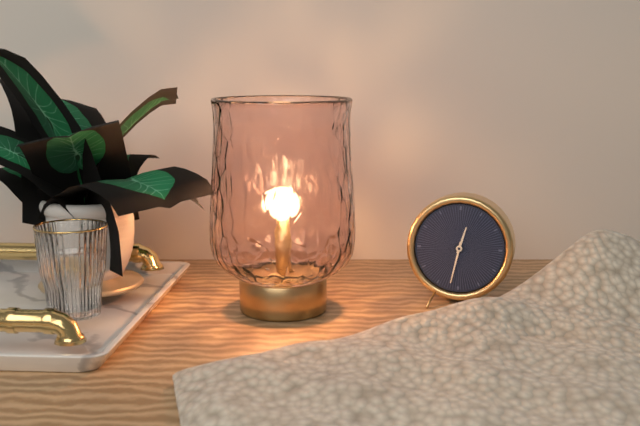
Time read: 12:32
